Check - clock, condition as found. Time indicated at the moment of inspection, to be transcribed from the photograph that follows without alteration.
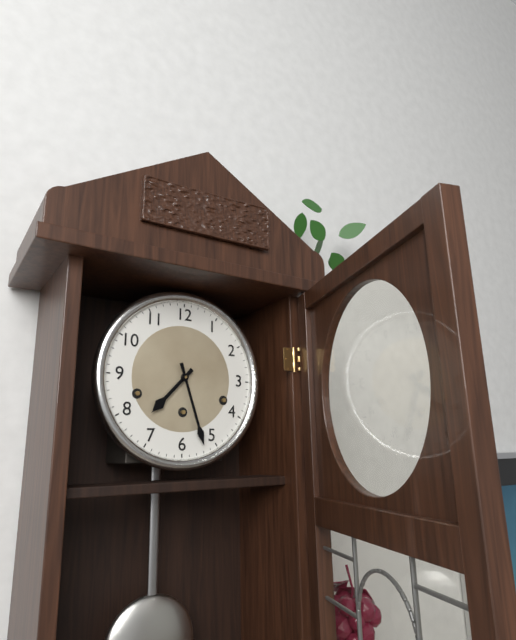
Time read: 7:27
